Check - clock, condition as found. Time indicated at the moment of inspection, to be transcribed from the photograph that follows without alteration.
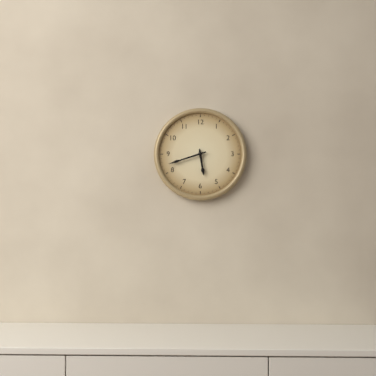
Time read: 5:42
